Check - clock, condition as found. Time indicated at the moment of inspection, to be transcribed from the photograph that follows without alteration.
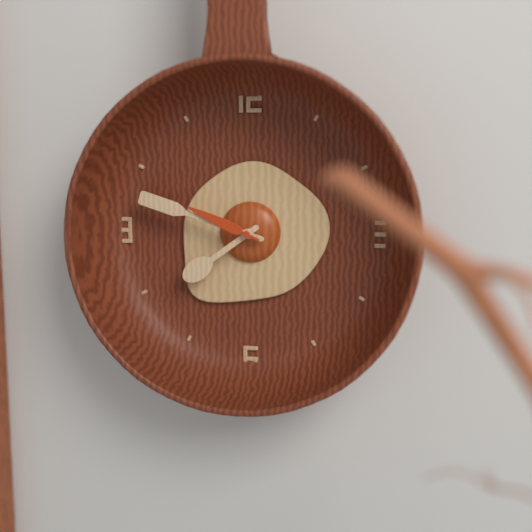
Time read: 7:48:49
